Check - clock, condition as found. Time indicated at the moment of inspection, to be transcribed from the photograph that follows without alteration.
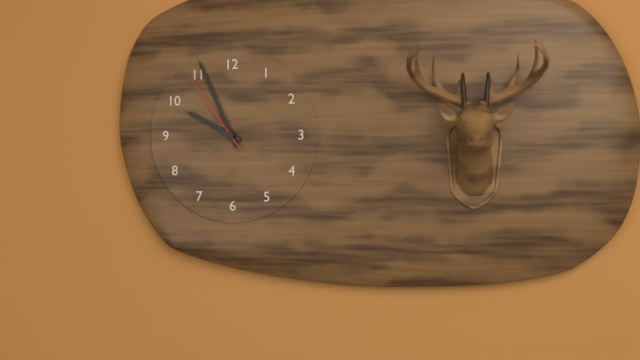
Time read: 9:56:54
